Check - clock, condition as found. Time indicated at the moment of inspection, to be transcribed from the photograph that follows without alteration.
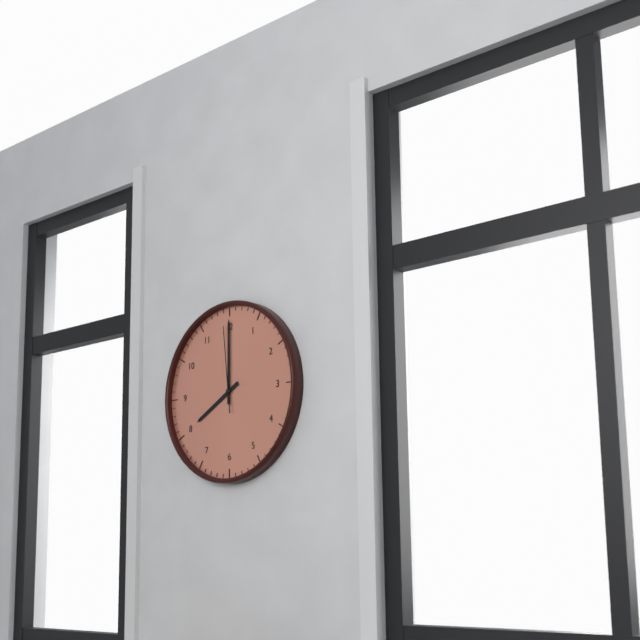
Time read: 8:00:59
